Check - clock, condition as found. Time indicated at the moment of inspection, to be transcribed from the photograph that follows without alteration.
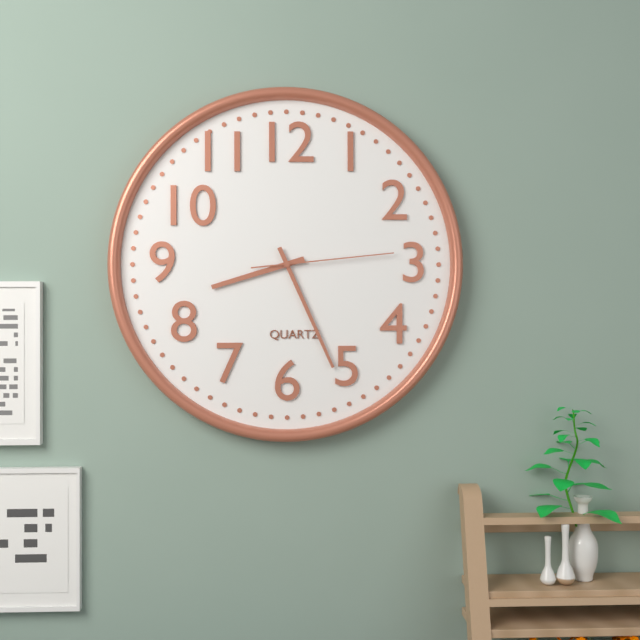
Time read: 8:26:14
